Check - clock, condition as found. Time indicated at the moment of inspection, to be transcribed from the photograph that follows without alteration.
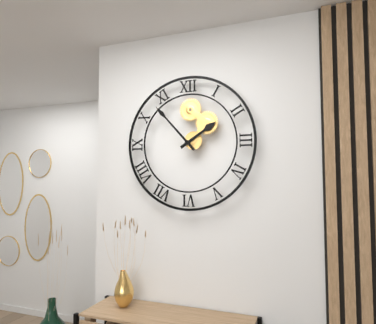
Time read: 1:53
